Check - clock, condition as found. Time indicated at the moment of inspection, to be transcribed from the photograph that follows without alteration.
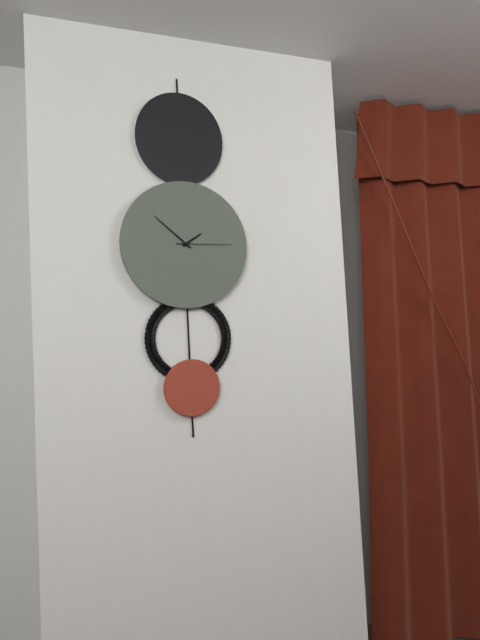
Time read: 1:52:15
